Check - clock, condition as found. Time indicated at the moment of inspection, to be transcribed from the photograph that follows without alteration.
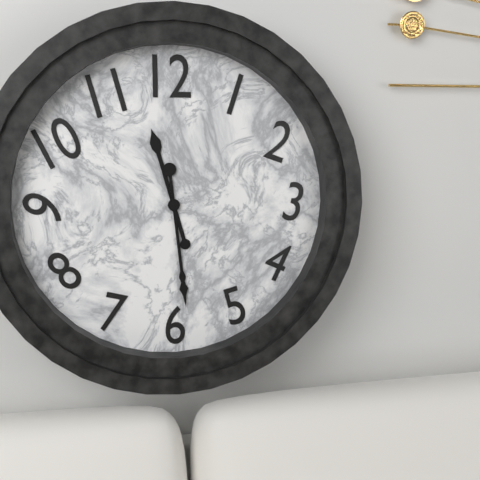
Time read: 11:29
